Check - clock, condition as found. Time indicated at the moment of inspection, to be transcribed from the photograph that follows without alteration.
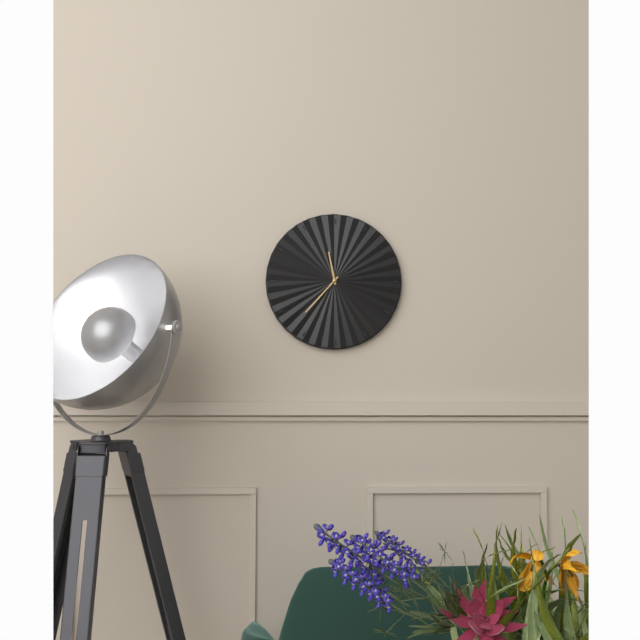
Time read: 11:37
